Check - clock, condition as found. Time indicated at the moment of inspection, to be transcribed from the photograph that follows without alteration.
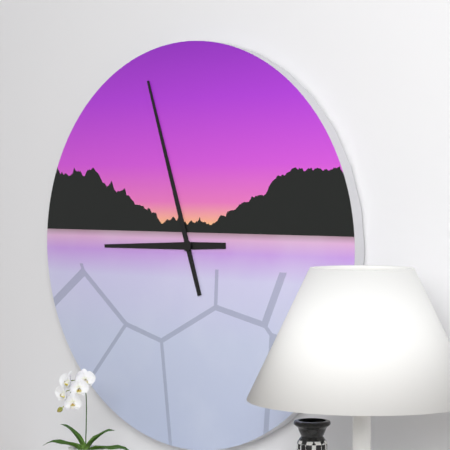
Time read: 8:57
